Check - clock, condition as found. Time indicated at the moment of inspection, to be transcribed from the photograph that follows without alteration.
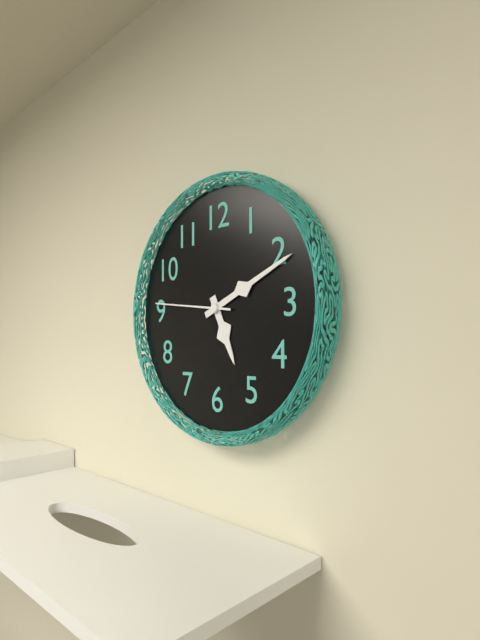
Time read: 5:11:46
